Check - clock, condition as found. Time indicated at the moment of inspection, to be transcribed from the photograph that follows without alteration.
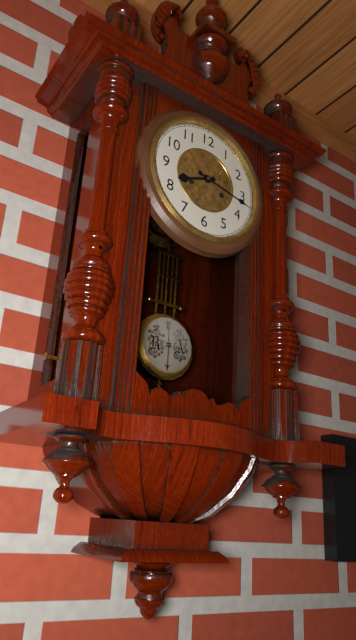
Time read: 8:17
